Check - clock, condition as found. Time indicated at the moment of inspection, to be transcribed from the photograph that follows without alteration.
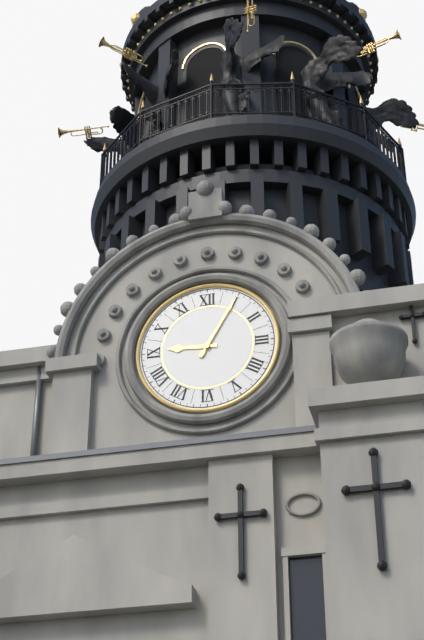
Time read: 9:05
